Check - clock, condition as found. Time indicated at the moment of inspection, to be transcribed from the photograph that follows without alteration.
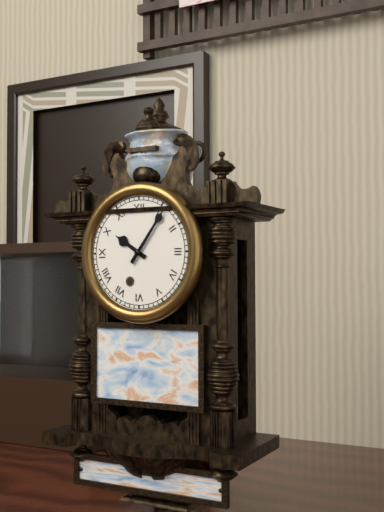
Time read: 10:06
